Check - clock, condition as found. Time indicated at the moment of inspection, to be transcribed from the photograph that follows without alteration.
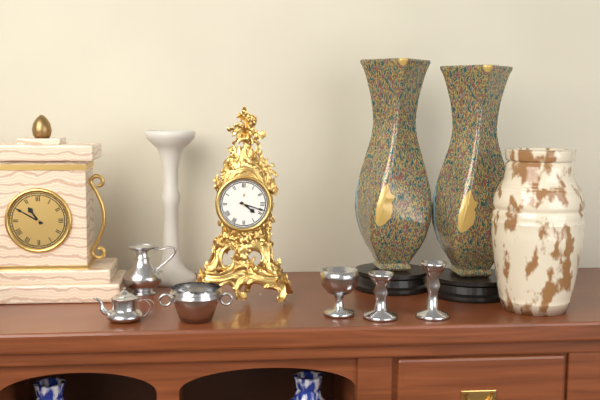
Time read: 4:18
